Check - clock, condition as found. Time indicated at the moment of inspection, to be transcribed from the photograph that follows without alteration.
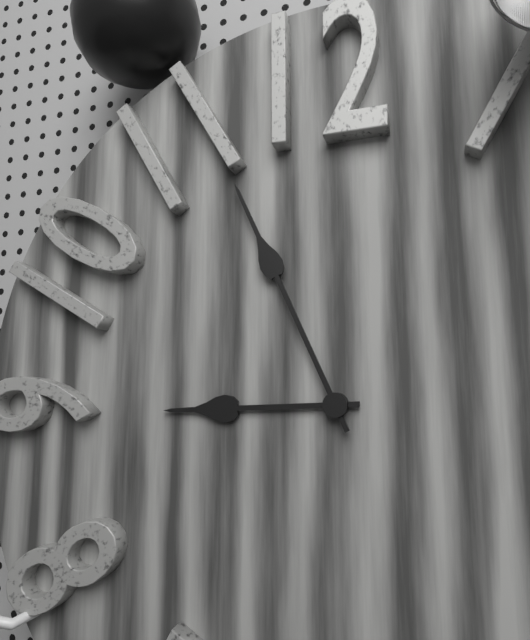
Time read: 8:56
